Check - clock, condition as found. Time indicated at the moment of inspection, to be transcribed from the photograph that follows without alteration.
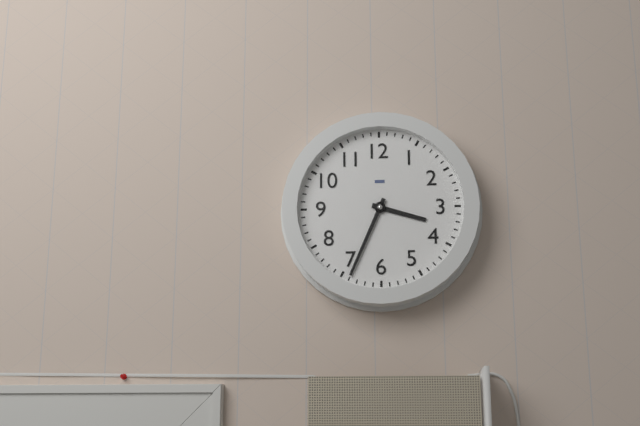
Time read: 3:34
